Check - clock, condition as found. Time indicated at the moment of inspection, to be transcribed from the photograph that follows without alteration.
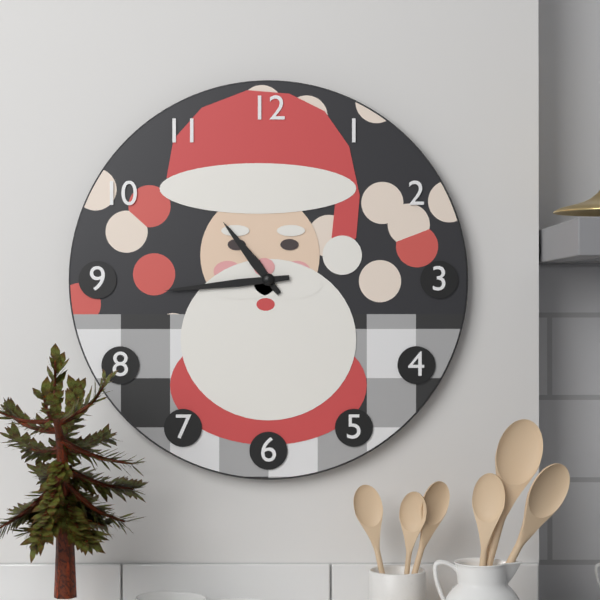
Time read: 10:44
